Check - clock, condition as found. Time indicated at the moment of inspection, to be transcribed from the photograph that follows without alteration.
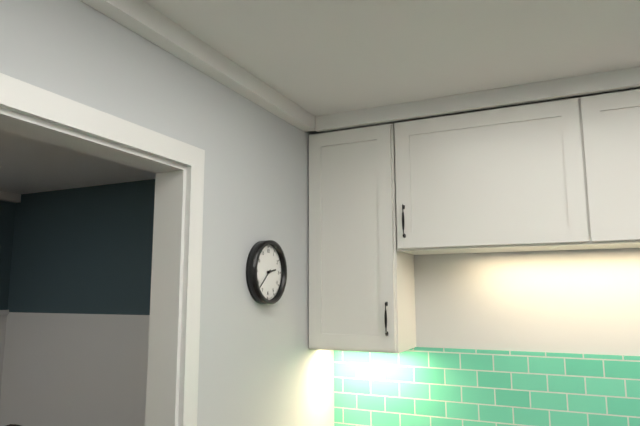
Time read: 2:38
